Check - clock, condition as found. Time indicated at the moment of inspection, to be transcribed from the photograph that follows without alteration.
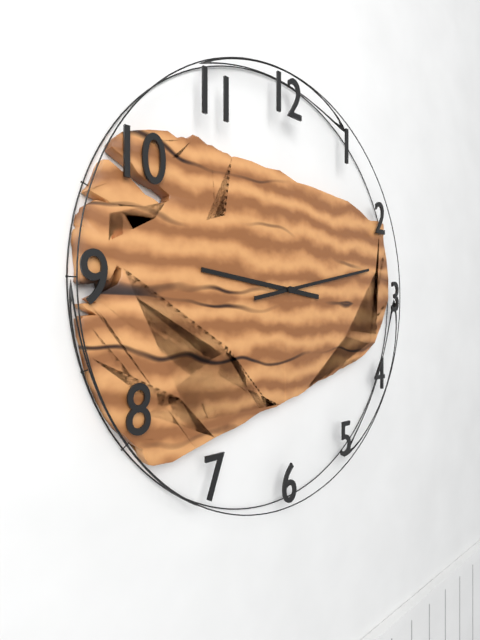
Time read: 9:13
